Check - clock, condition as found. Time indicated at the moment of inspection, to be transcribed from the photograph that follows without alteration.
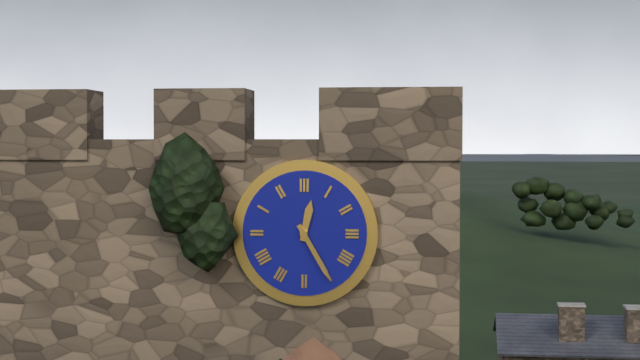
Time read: 12:25
